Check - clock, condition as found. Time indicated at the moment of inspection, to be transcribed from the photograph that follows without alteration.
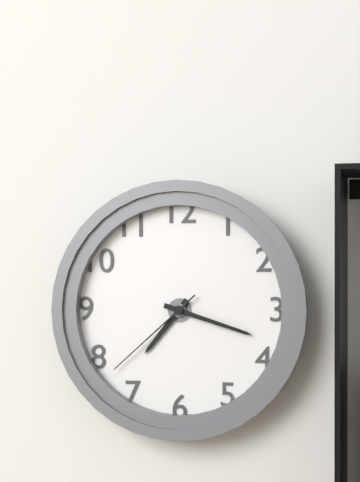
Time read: 7:18:38
